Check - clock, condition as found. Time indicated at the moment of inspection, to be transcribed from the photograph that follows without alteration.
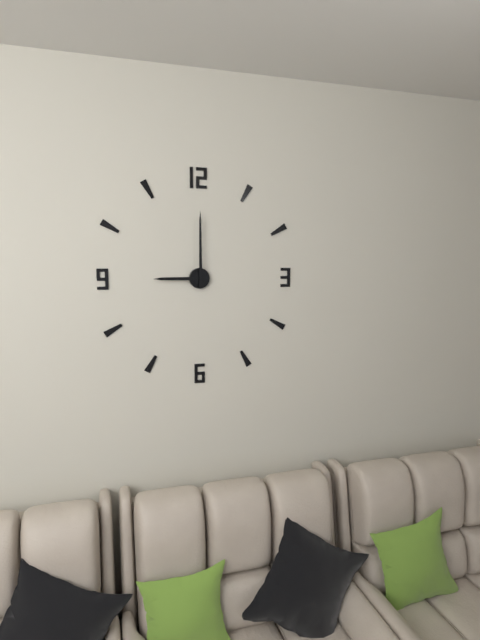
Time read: 9:00
